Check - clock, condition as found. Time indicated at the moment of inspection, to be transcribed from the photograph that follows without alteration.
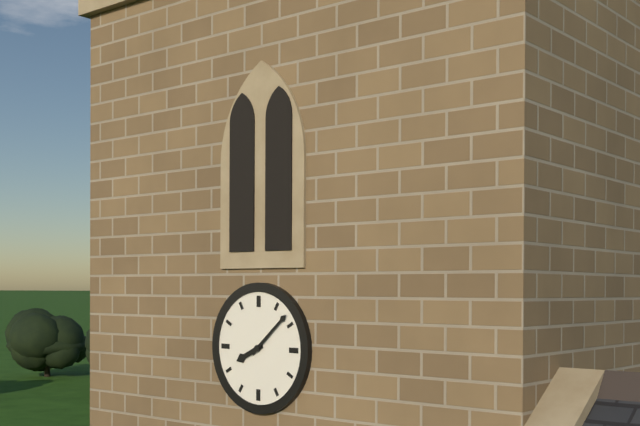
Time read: 8:08
